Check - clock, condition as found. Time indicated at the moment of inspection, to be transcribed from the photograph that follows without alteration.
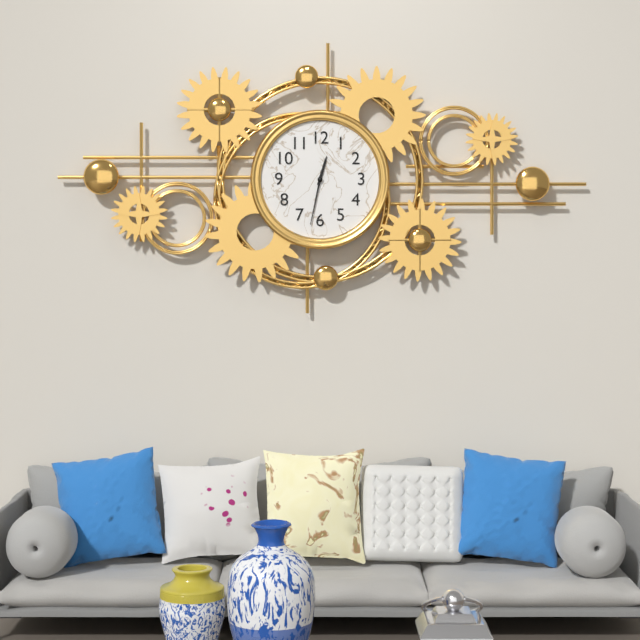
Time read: 12:32
